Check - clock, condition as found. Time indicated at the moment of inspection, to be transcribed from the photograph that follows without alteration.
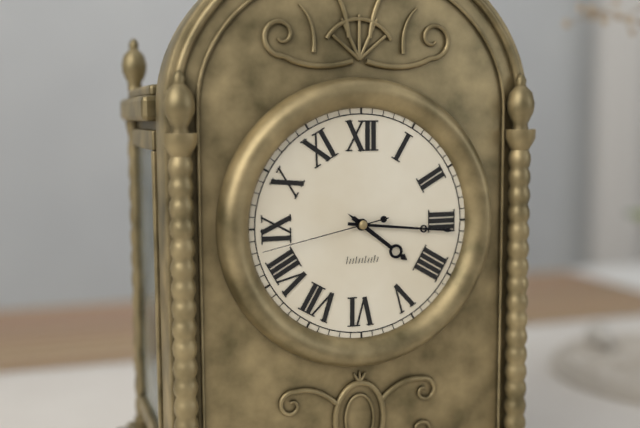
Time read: 4:16:43
